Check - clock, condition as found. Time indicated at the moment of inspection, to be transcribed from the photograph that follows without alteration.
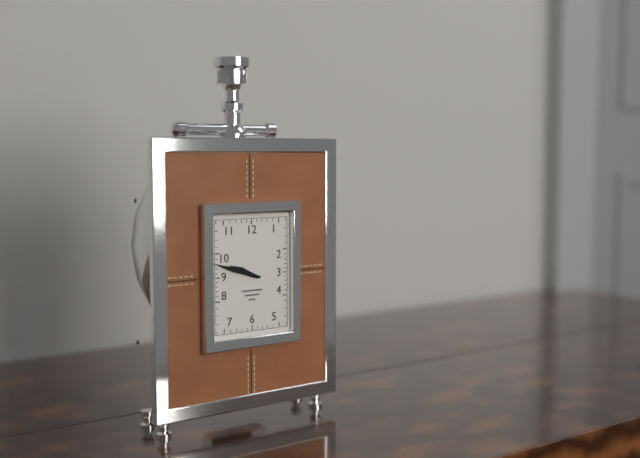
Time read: 9:48
